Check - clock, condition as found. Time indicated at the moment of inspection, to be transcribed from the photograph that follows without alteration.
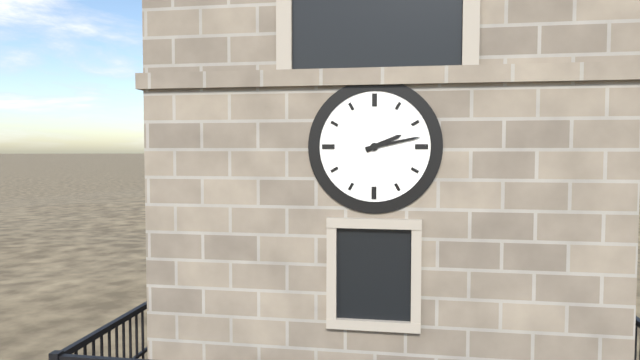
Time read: 2:13
